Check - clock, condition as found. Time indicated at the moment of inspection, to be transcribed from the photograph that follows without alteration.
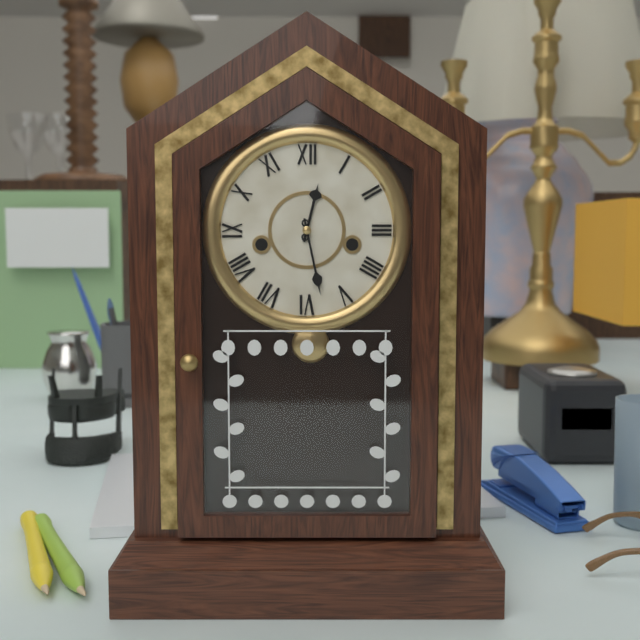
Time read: 12:28
